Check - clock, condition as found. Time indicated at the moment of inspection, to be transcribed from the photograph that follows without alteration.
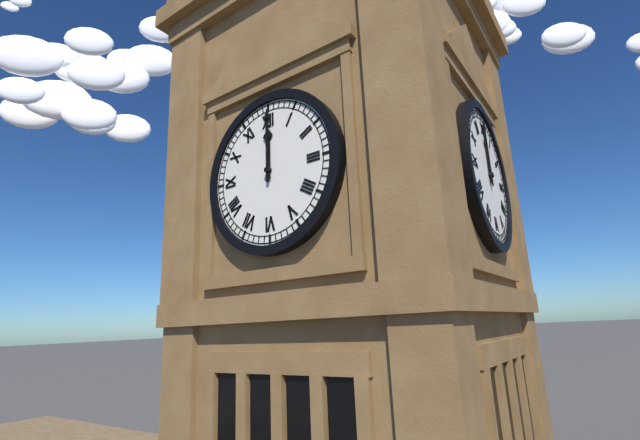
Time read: 12:00
